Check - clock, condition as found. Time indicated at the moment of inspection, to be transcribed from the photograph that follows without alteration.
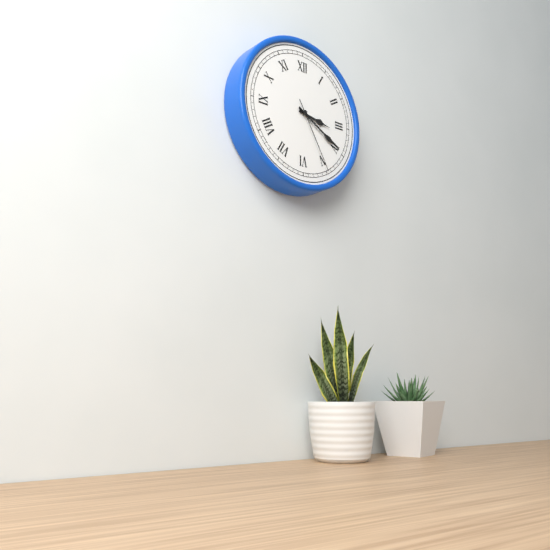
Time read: 3:20:25
